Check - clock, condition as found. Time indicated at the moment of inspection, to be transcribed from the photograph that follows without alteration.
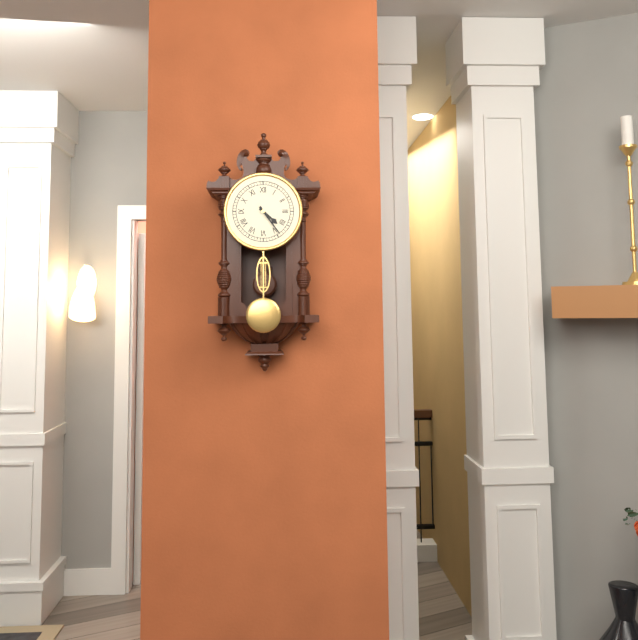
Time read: 4:24
